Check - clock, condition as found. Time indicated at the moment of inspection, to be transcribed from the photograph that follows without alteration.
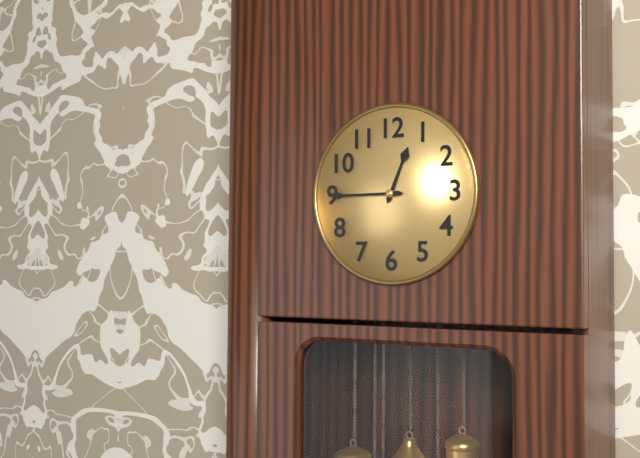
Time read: 12:45
